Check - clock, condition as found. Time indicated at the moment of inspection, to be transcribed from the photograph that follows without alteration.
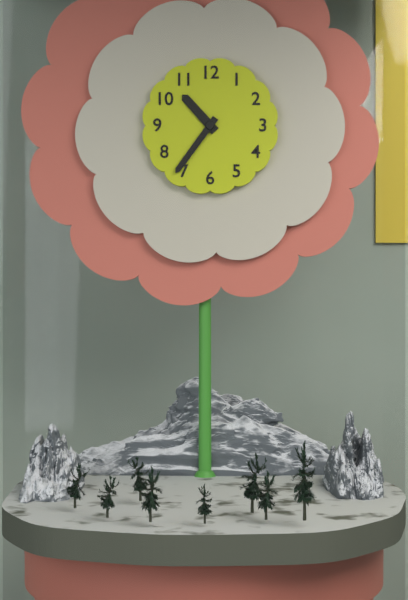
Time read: 10:36
